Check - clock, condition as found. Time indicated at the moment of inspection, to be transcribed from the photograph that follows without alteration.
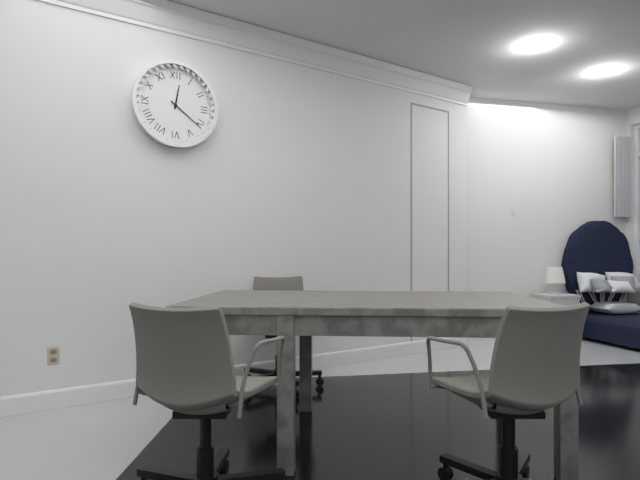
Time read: 12:21
